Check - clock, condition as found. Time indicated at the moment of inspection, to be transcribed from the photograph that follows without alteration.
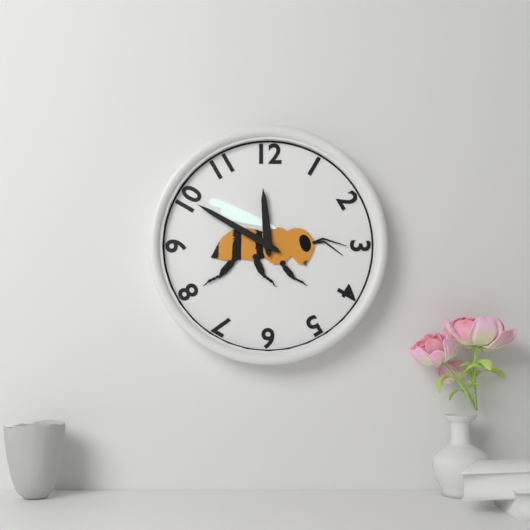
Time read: 11:50
